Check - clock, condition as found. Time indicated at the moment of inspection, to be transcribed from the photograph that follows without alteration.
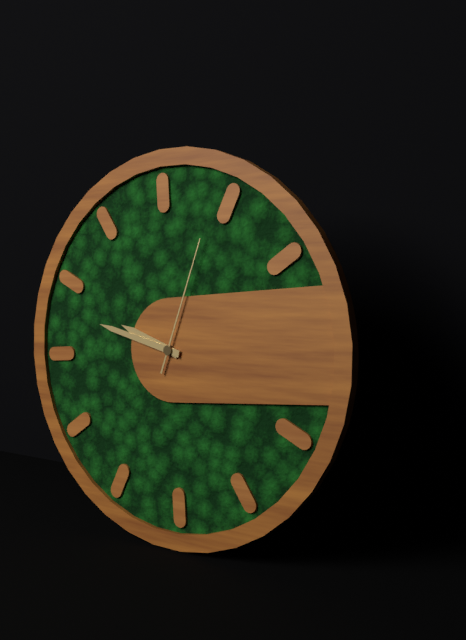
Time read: 9:48:04
